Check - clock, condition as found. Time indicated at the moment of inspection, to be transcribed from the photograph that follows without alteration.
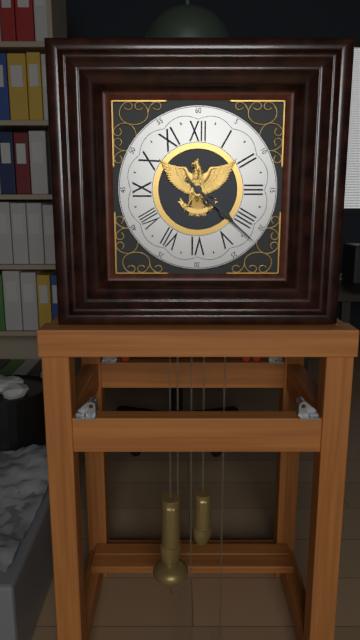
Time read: 4:22
